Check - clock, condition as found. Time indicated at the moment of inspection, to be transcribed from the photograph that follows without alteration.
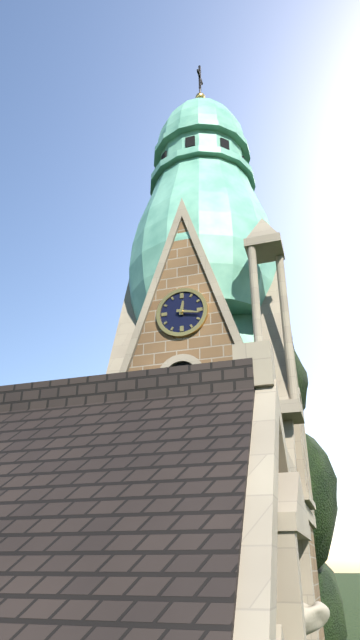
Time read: 12:17
